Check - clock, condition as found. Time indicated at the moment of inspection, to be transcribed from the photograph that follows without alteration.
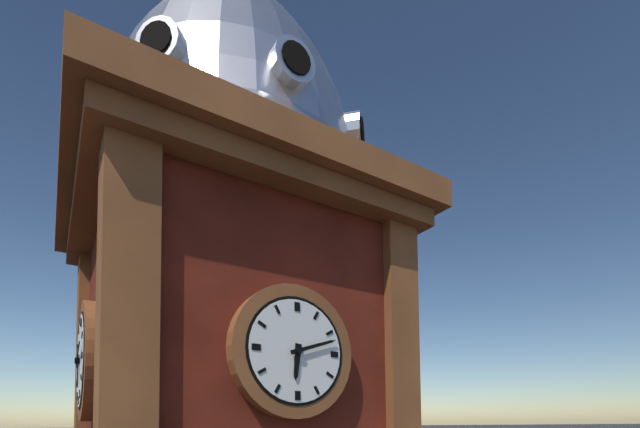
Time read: 6:12
